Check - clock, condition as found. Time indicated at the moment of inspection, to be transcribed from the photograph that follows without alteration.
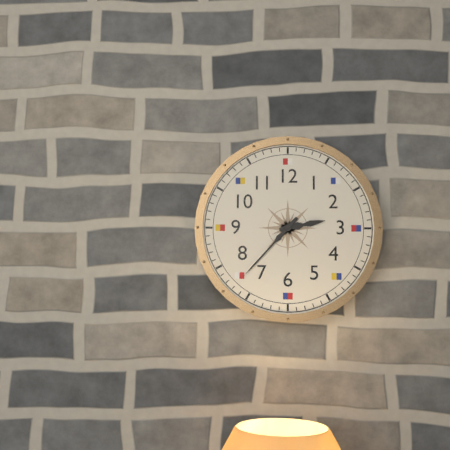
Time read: 2:37
